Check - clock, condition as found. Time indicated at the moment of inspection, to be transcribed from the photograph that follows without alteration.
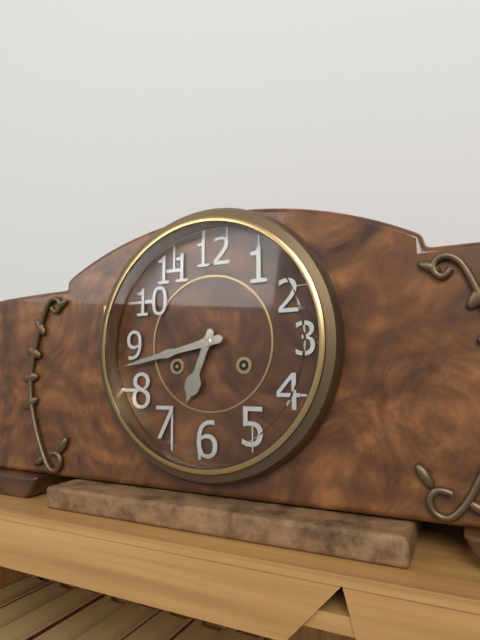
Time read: 6:43
